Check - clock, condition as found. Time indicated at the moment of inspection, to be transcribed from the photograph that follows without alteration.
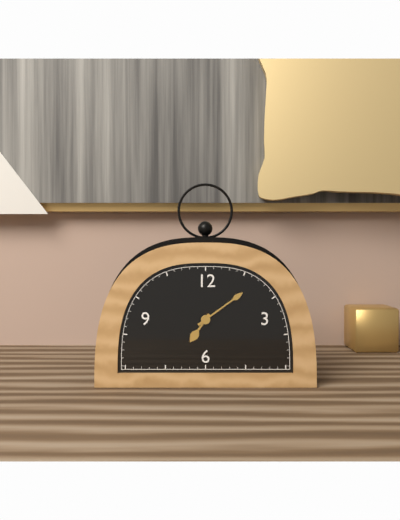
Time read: 7:09
